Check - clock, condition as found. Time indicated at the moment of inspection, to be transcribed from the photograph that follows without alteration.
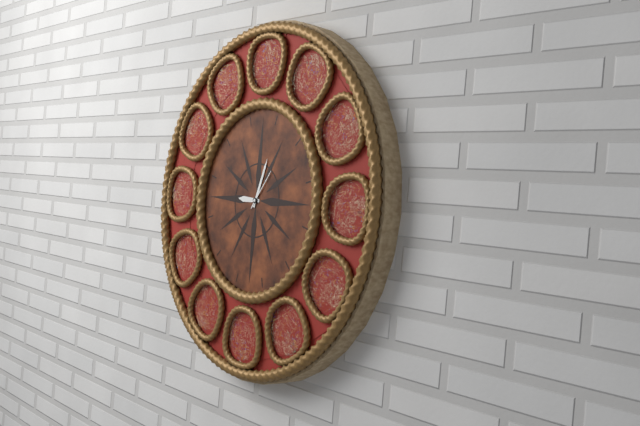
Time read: 9:03
